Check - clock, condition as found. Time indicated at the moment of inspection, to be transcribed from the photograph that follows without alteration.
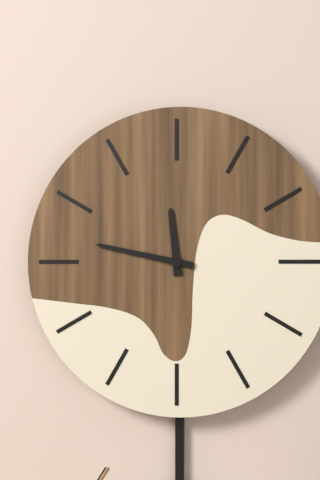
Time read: 11:47
